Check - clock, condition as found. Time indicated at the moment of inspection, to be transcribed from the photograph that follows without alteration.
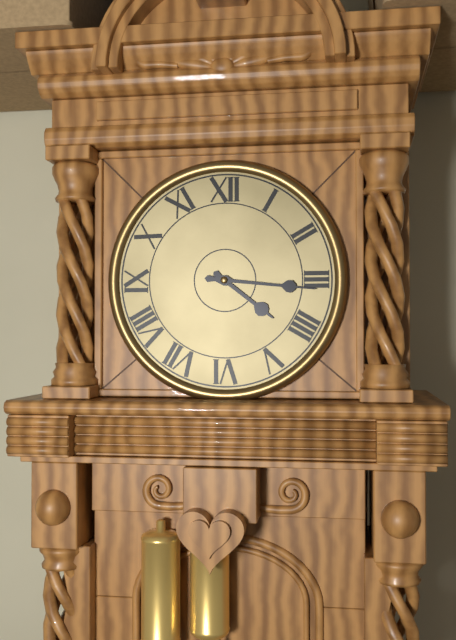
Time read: 4:16
